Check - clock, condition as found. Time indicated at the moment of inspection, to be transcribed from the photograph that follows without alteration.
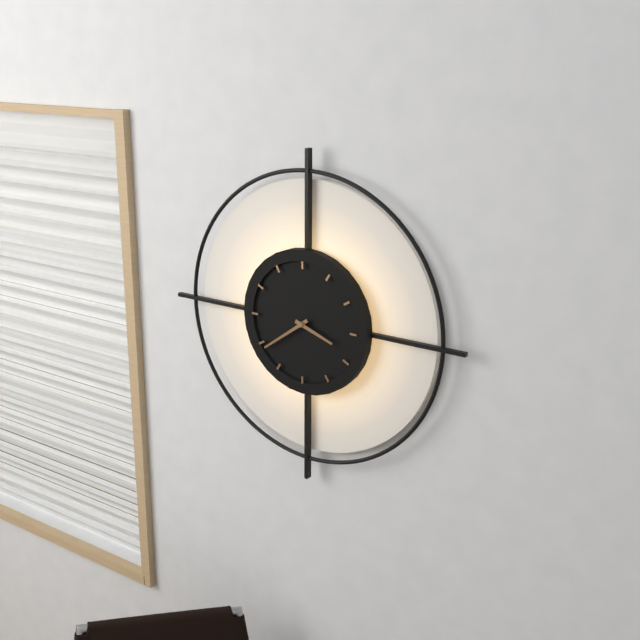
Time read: 3:39
